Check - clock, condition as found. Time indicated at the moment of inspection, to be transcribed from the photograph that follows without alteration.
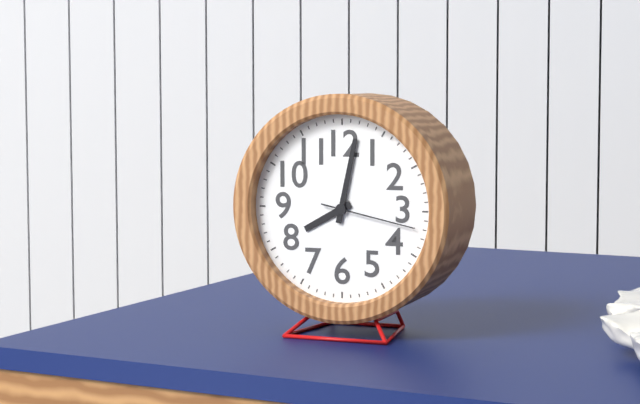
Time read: 8:02:17
